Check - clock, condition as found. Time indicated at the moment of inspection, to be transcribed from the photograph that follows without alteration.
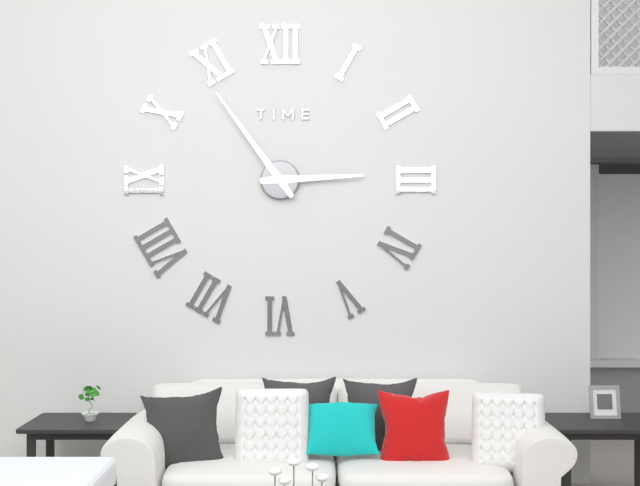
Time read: 2:54
